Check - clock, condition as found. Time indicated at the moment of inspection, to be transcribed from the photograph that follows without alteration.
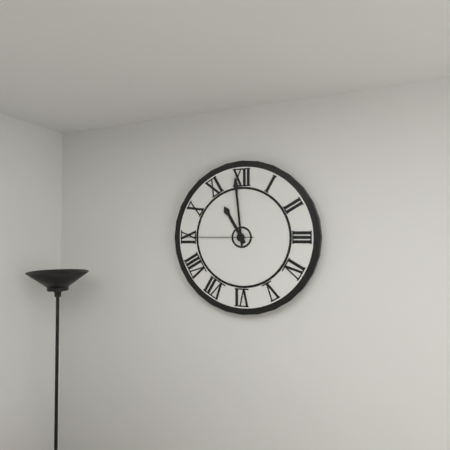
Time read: 10:59:45
